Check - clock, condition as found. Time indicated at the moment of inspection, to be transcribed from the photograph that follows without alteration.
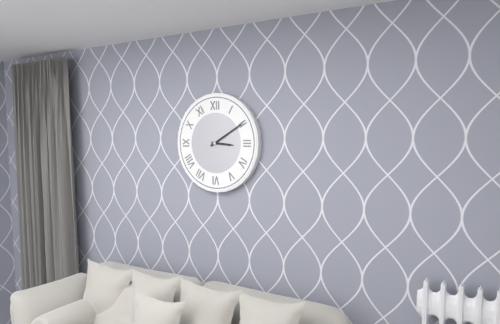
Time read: 3:10
